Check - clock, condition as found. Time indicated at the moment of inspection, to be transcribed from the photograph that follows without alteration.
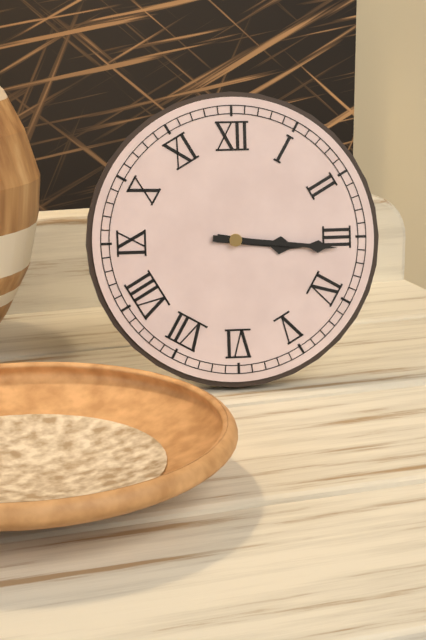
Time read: 3:16
